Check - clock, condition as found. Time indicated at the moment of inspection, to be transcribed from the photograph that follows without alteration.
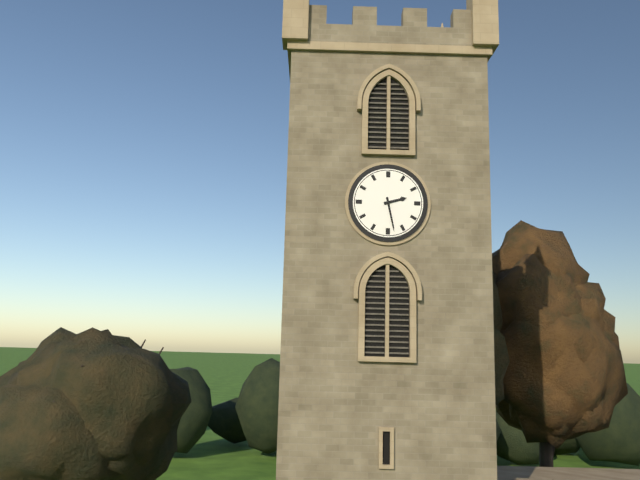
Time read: 2:28
